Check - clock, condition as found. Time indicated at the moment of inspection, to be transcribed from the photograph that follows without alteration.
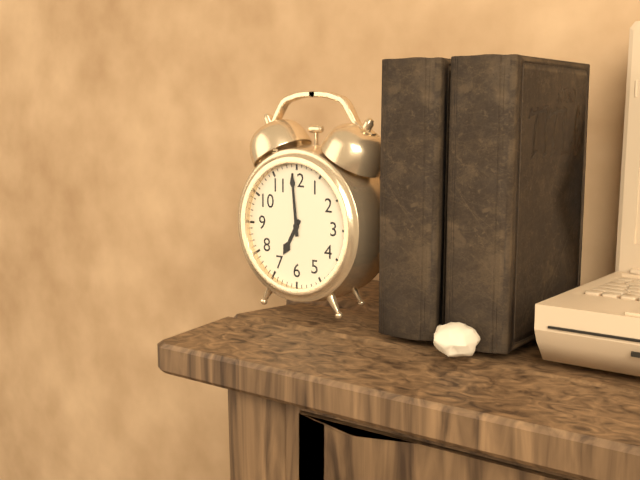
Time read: 6:59
